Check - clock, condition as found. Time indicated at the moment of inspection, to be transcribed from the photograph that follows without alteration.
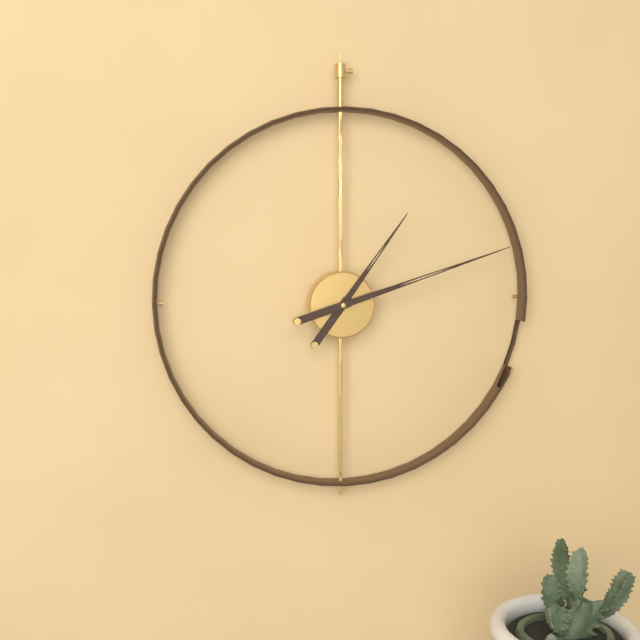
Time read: 1:12
